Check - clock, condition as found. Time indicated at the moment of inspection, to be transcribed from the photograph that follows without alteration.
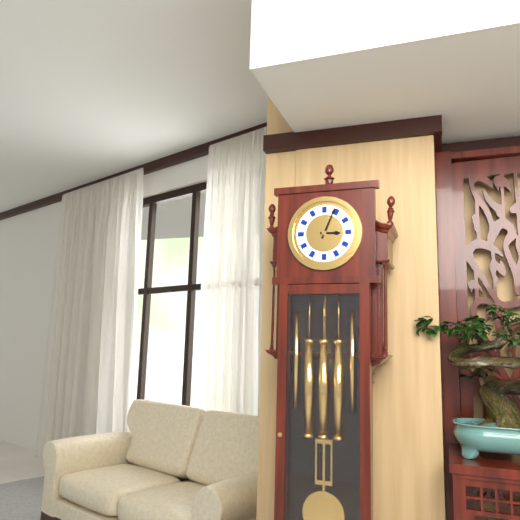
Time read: 3:04
